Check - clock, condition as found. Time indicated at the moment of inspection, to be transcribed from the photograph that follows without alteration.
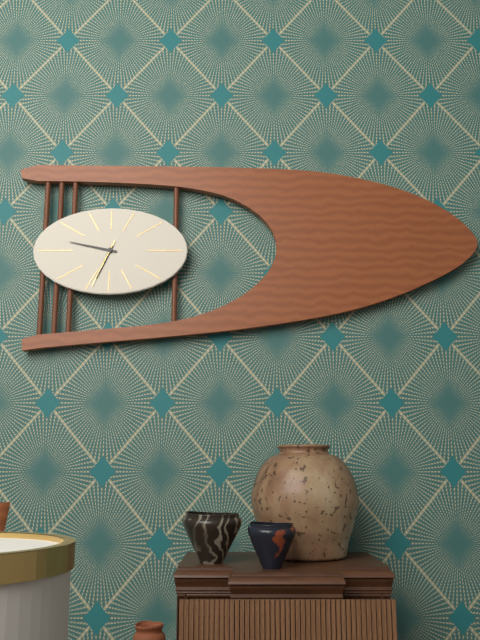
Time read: 6:47:34
